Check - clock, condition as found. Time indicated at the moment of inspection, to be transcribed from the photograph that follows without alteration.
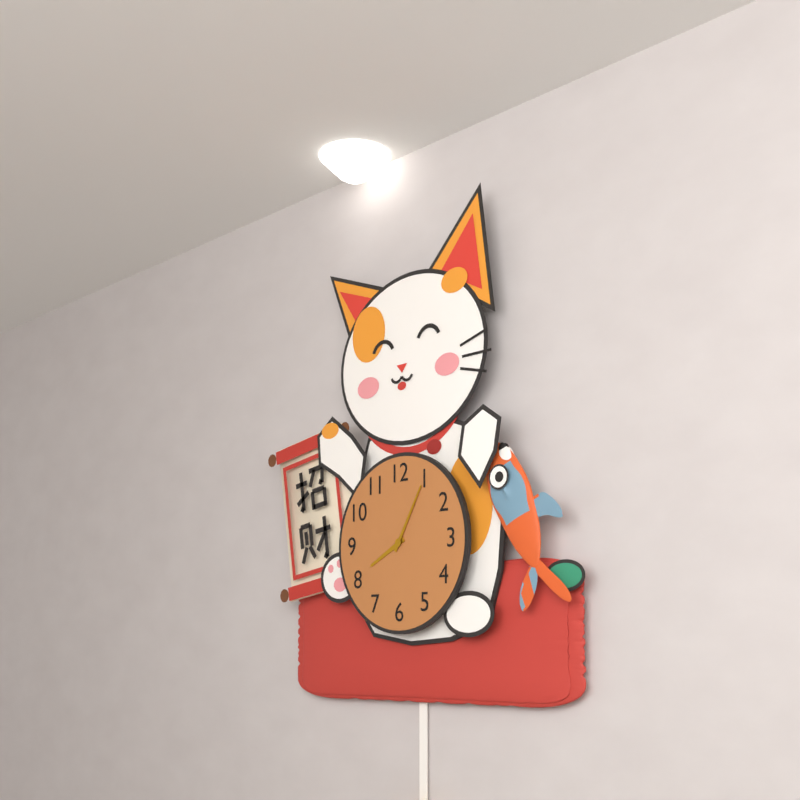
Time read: 8:05
